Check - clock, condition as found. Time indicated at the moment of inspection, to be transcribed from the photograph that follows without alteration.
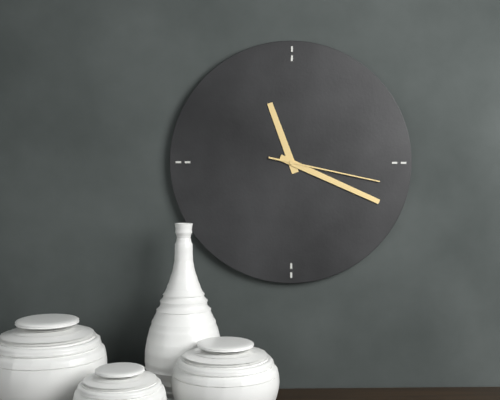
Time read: 11:19:17
